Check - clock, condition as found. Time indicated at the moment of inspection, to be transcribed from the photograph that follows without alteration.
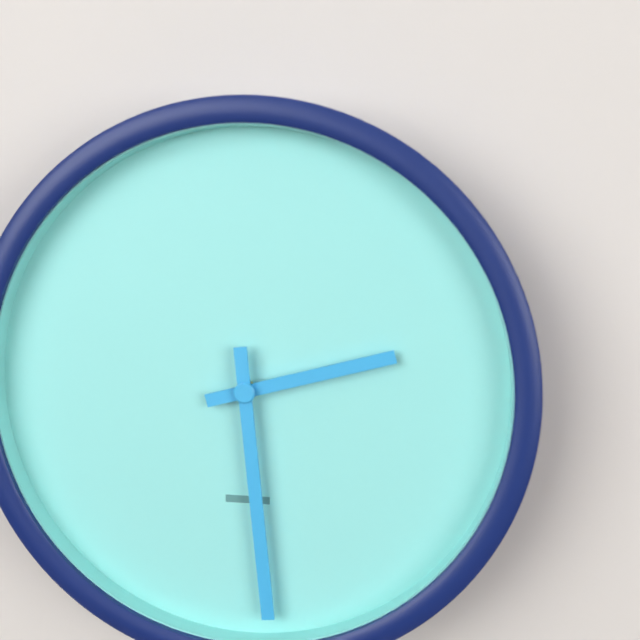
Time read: 2:29
